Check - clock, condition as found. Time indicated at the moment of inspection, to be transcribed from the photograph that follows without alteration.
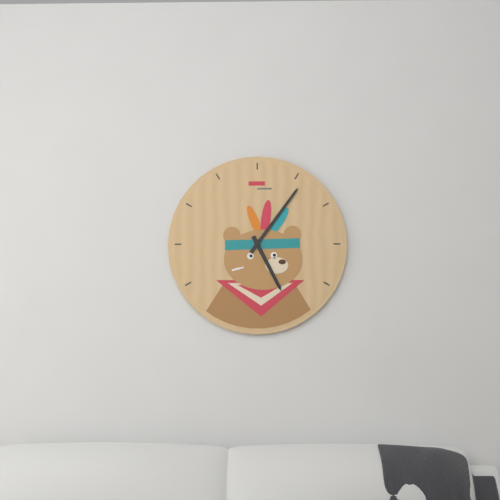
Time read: 5:06
